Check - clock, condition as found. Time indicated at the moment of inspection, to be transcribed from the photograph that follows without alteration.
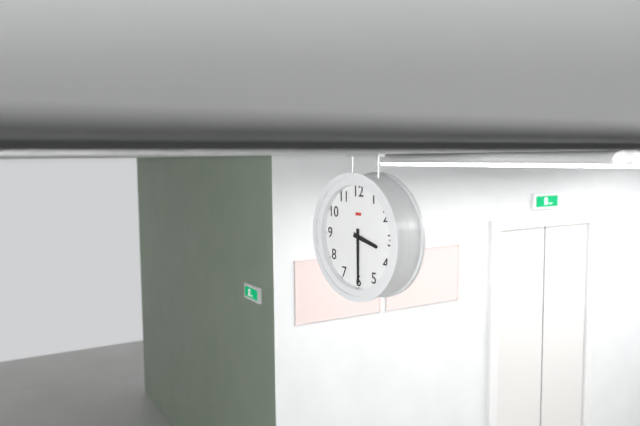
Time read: 3:30
